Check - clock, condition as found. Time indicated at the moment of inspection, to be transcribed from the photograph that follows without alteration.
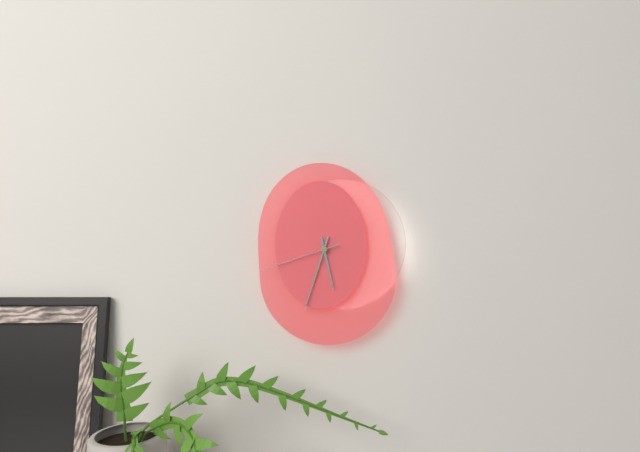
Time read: 5:33:42
